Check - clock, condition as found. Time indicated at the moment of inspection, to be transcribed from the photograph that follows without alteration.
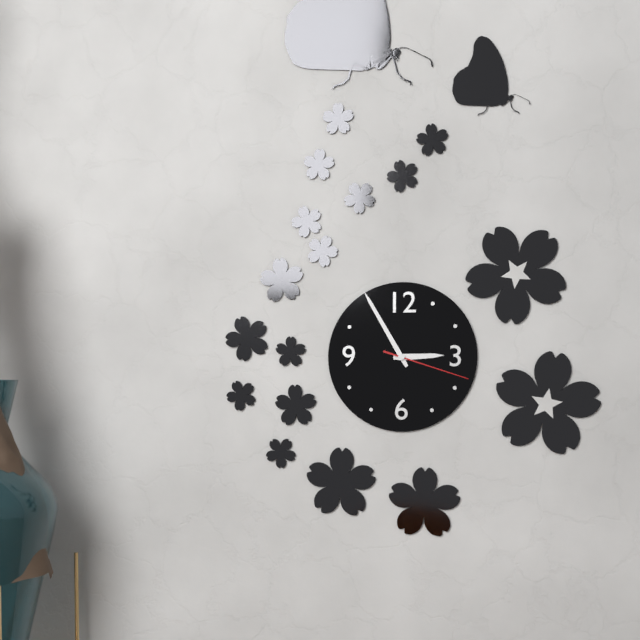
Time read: 2:55:18
